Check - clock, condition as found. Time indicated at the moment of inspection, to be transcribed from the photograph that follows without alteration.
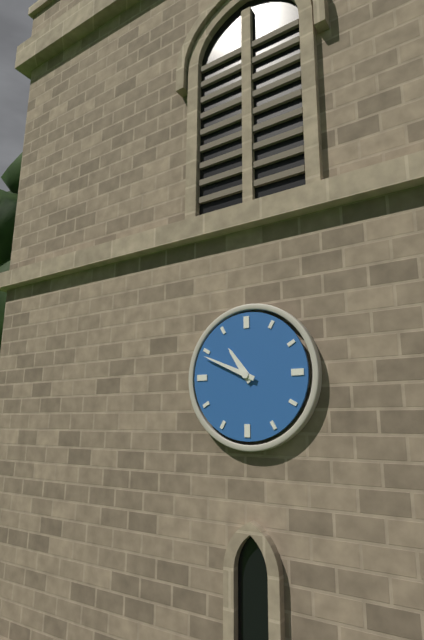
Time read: 10:49
